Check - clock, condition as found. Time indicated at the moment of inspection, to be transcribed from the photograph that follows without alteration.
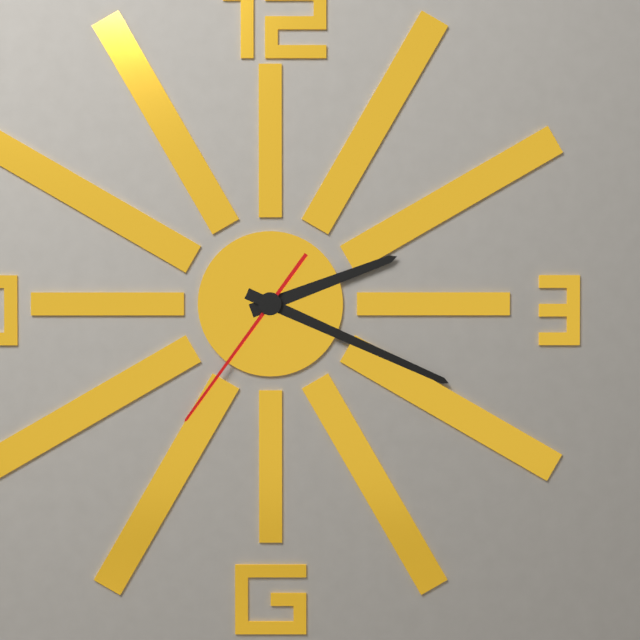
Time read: 2:19:36
